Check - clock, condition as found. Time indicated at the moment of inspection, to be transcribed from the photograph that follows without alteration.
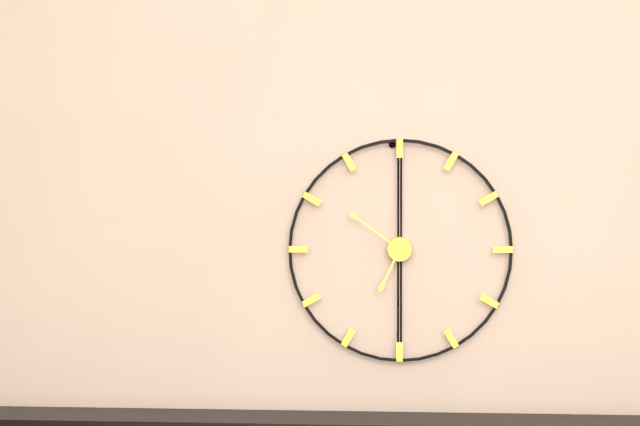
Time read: 6:51
